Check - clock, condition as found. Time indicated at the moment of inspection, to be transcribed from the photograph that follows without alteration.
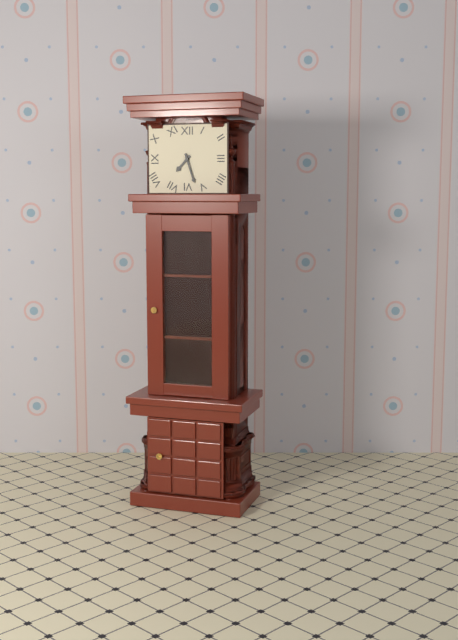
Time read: 7:27
